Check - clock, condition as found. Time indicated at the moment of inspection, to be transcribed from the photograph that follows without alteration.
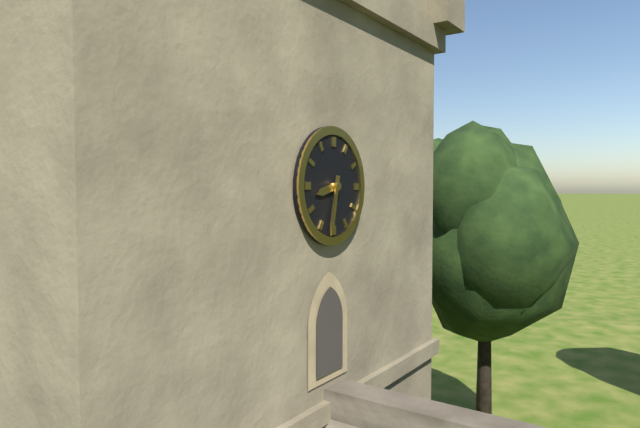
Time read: 8:32
